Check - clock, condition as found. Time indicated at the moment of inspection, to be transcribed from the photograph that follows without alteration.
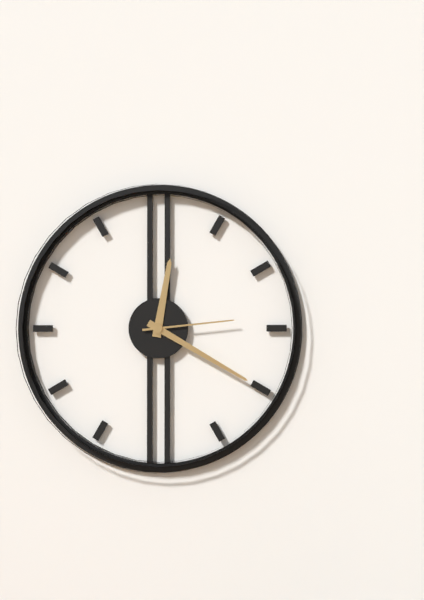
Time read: 12:20:14
